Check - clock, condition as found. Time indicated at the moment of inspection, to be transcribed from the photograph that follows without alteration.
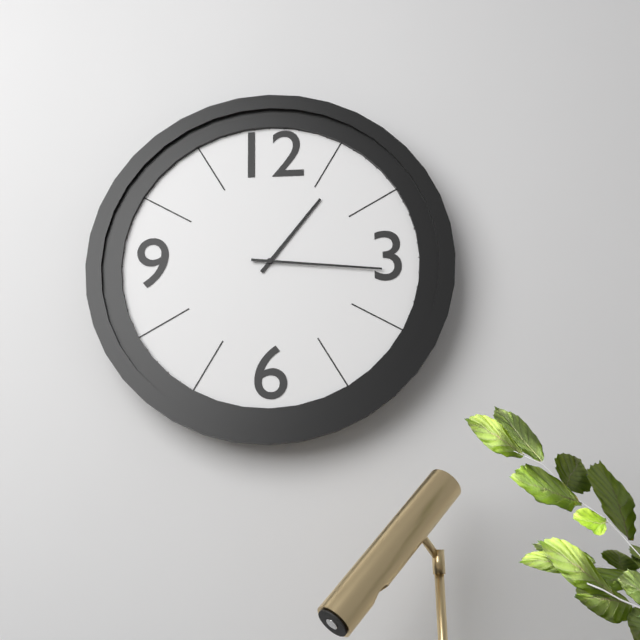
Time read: 1:16
